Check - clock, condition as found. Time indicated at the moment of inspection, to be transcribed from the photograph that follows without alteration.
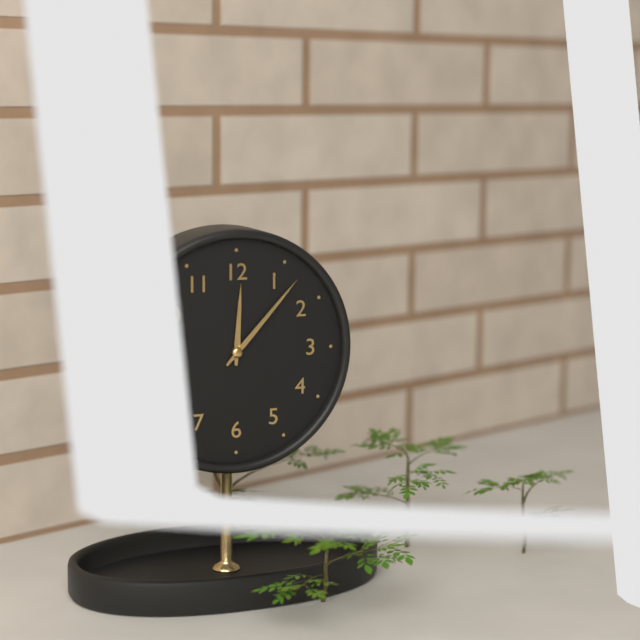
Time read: 12:07
